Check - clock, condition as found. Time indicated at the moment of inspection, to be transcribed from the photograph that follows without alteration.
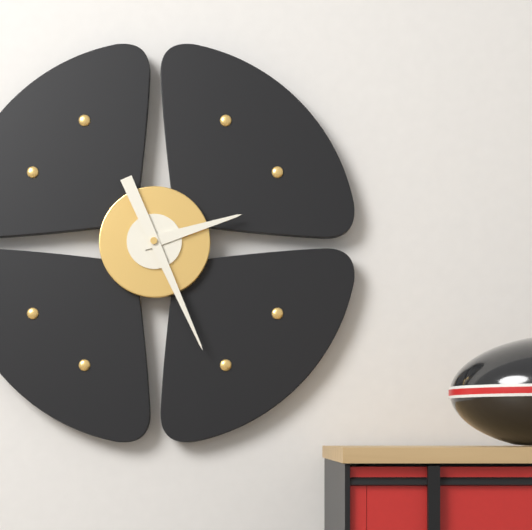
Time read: 2:26
